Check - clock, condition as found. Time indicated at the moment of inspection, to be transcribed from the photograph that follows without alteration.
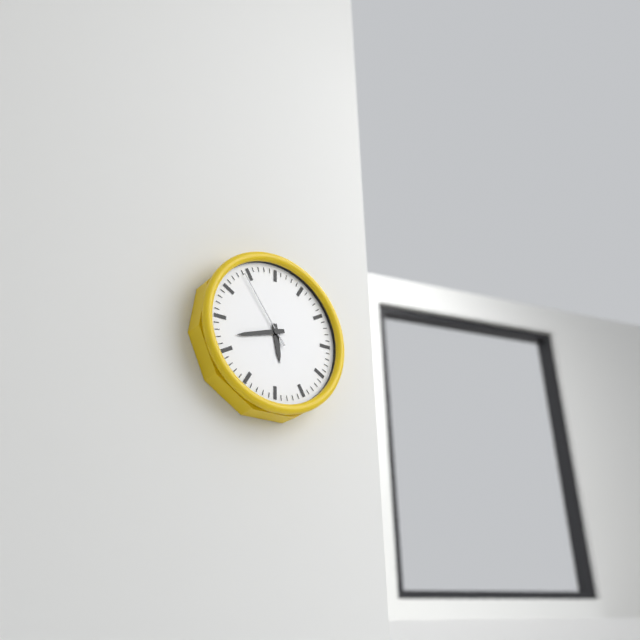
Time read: 5:42:54
